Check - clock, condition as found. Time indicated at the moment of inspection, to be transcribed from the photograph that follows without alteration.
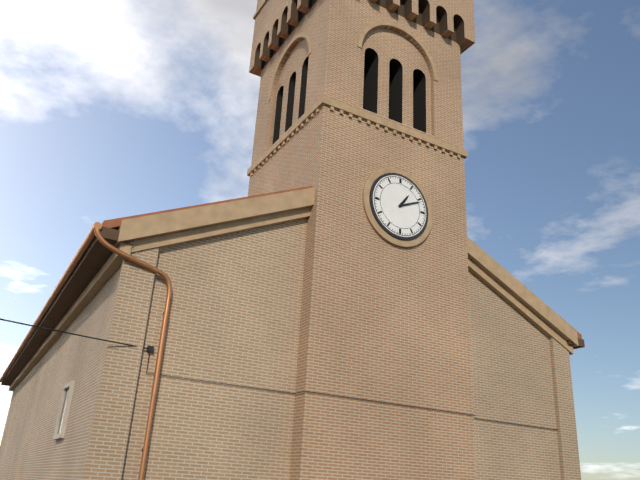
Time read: 1:11
